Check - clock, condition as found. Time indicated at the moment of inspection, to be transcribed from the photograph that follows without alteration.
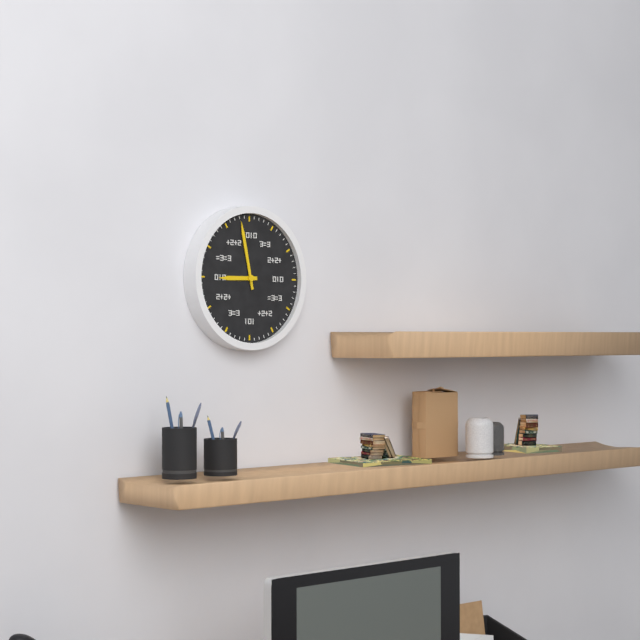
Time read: 8:58
